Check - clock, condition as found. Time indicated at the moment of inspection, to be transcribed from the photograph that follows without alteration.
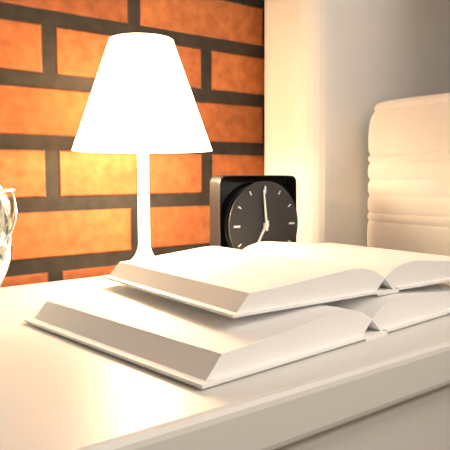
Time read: 6:59
